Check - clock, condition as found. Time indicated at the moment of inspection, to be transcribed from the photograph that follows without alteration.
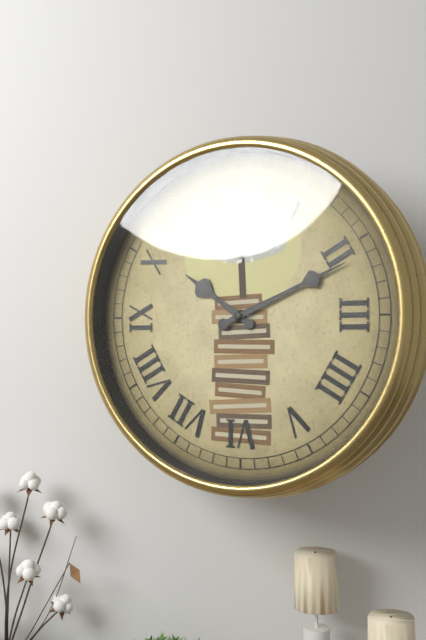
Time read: 10:11
